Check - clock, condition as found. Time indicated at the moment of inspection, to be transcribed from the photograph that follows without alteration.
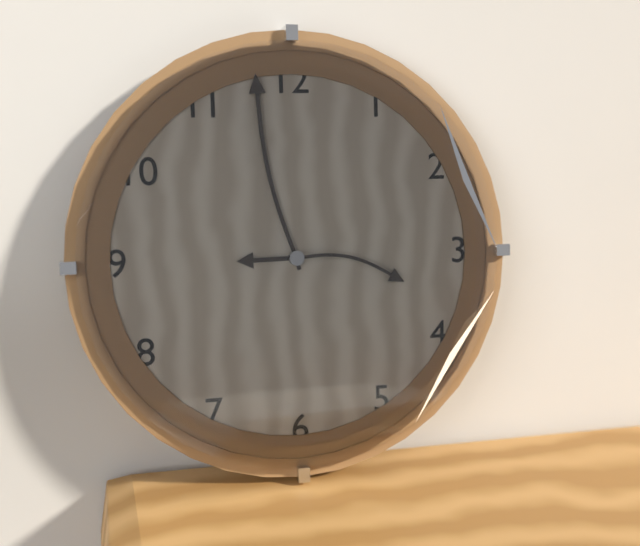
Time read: 8:58:17
